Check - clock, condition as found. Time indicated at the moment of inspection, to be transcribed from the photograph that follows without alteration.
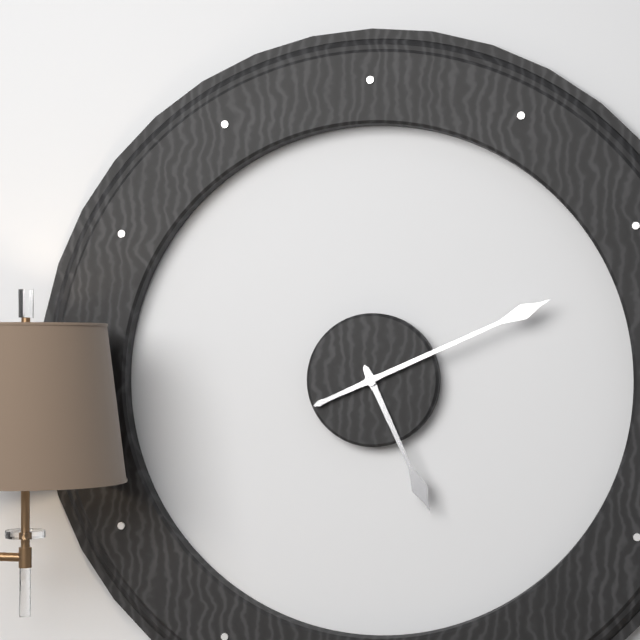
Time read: 5:11
